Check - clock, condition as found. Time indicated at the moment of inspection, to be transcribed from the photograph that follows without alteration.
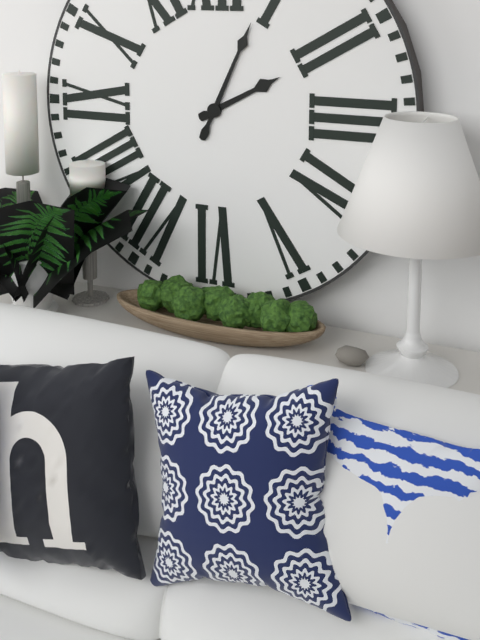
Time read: 2:04
